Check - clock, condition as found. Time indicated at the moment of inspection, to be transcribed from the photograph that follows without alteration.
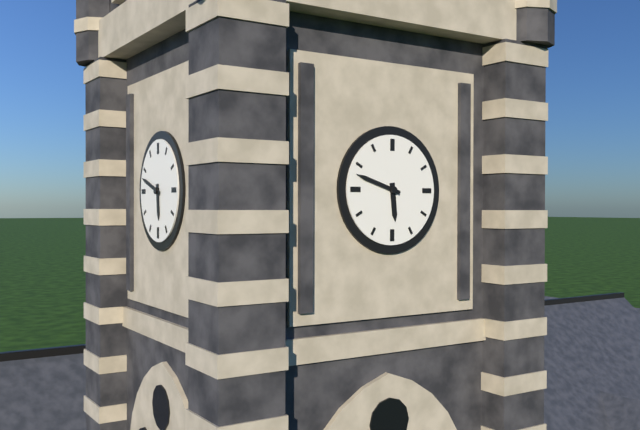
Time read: 5:48
